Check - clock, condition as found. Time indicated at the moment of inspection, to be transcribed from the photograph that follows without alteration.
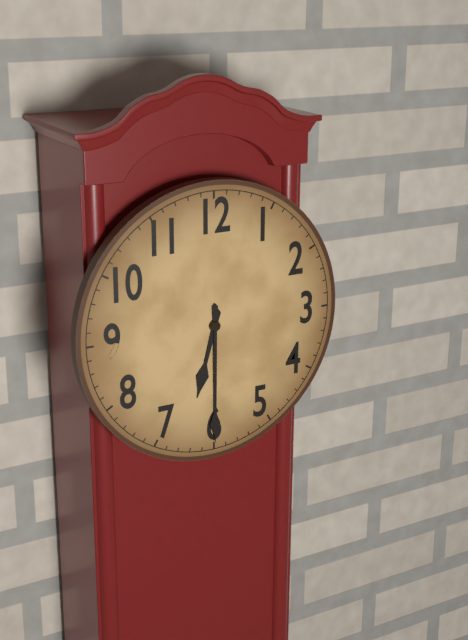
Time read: 6:30
